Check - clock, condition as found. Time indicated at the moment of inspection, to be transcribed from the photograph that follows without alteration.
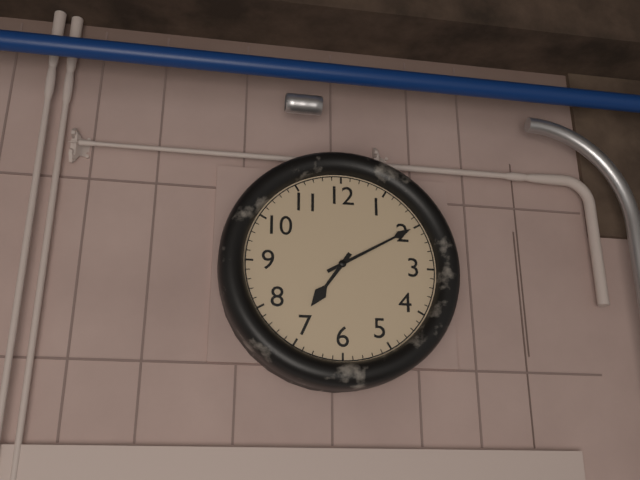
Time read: 7:10
